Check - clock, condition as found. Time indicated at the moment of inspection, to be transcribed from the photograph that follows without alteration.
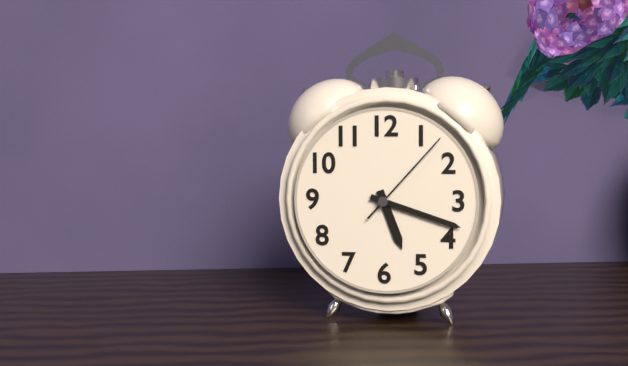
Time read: 5:18:07
